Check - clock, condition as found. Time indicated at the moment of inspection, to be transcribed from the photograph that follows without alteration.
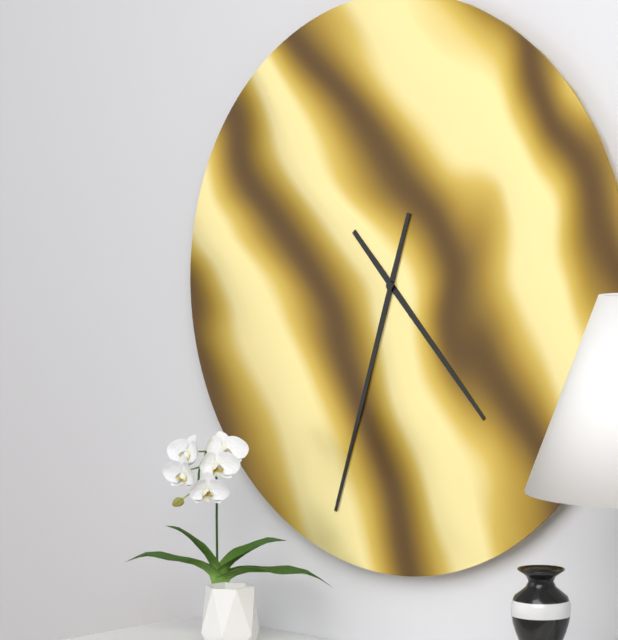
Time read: 4:33
